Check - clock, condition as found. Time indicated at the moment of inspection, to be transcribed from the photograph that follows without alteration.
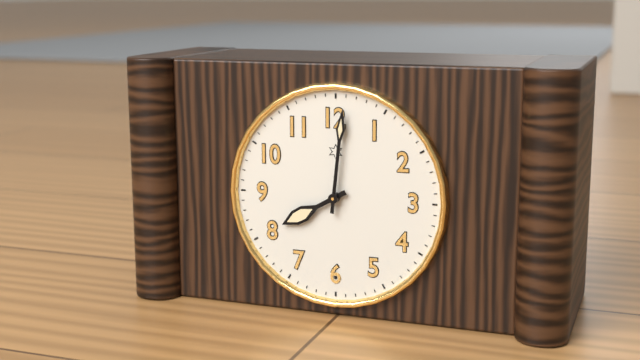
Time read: 8:01
